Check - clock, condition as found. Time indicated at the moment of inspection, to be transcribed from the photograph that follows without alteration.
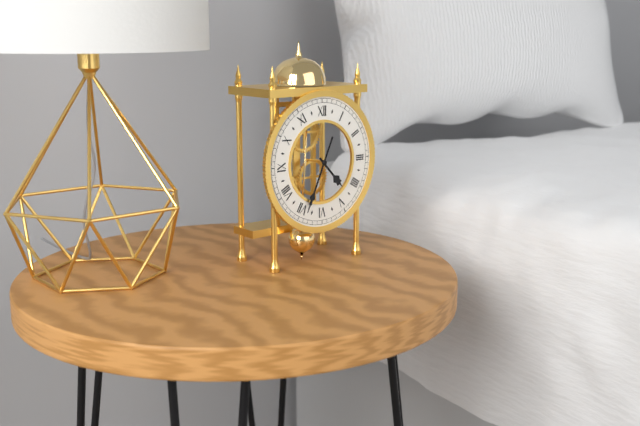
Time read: 4:34
